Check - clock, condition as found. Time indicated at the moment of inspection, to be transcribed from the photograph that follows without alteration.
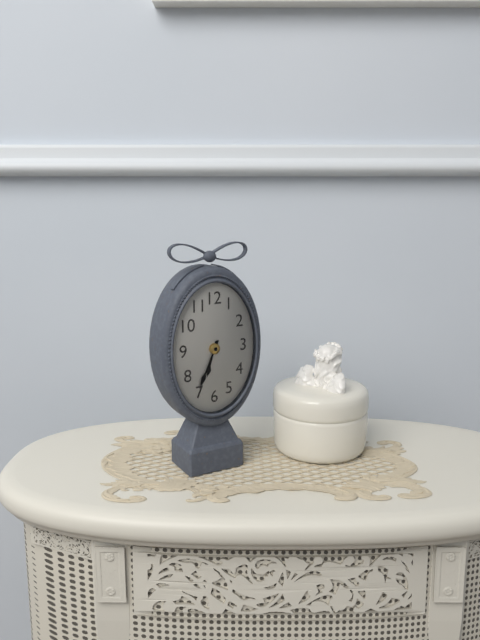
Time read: 6:34
